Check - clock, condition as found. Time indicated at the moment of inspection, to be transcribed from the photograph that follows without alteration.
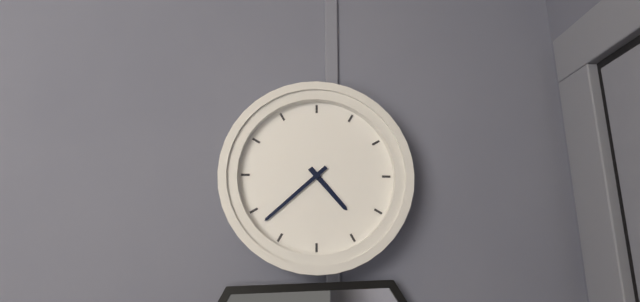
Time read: 4:38
